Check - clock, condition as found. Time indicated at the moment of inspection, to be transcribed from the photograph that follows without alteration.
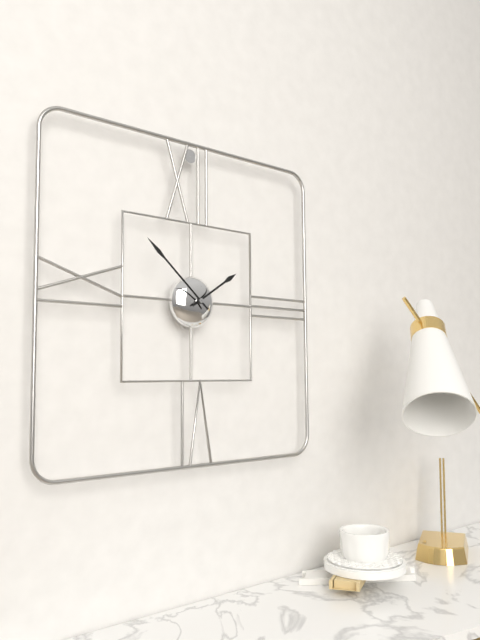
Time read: 1:52
